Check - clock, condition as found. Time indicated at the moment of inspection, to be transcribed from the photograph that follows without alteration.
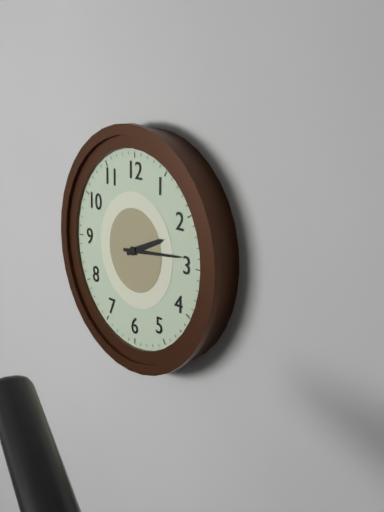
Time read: 2:14
